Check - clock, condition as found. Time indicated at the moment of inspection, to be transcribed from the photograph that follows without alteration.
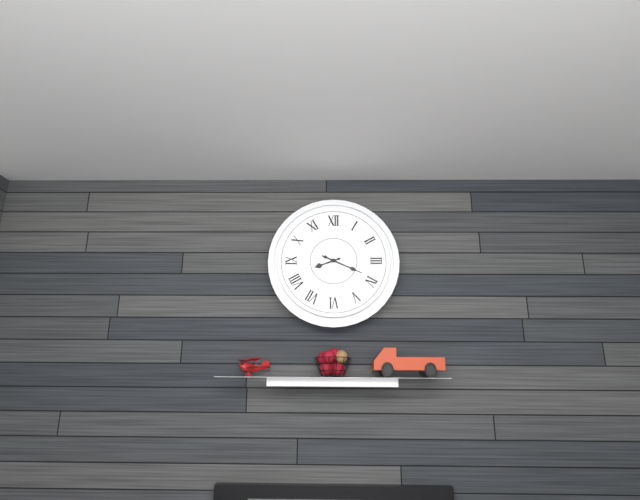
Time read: 8:19
